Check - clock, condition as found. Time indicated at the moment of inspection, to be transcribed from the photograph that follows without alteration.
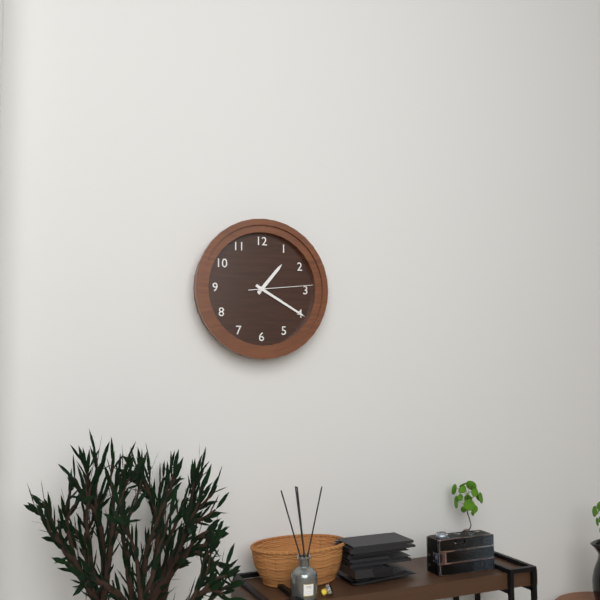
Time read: 1:20:14
